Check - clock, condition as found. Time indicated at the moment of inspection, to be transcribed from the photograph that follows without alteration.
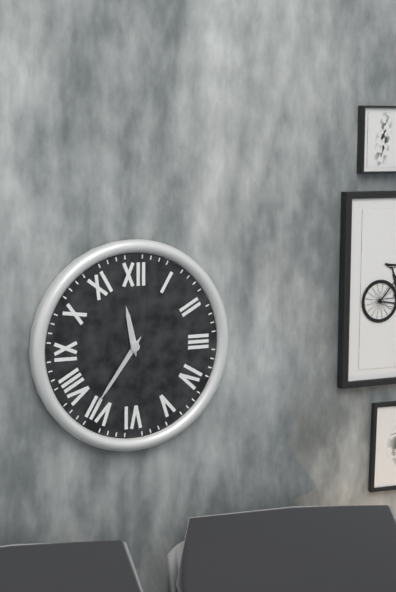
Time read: 11:36
